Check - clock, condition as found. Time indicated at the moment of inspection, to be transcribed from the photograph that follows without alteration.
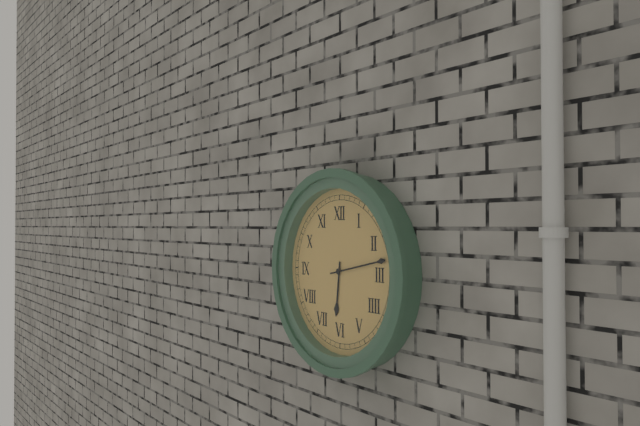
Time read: 6:13
